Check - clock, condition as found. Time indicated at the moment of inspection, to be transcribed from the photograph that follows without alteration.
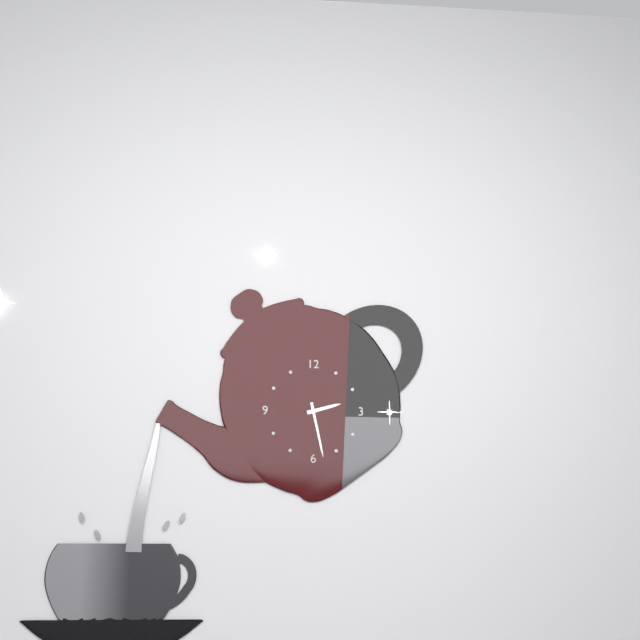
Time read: 2:28
